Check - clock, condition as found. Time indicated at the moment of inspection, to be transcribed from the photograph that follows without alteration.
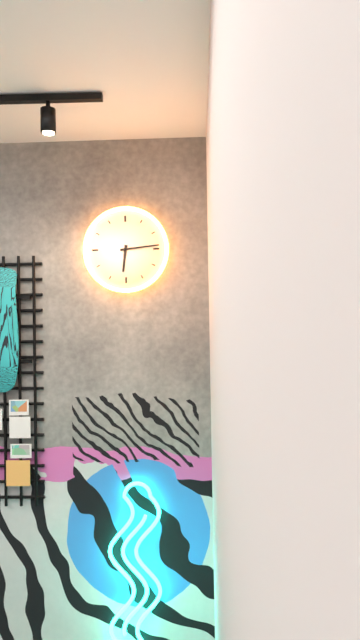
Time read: 6:14
